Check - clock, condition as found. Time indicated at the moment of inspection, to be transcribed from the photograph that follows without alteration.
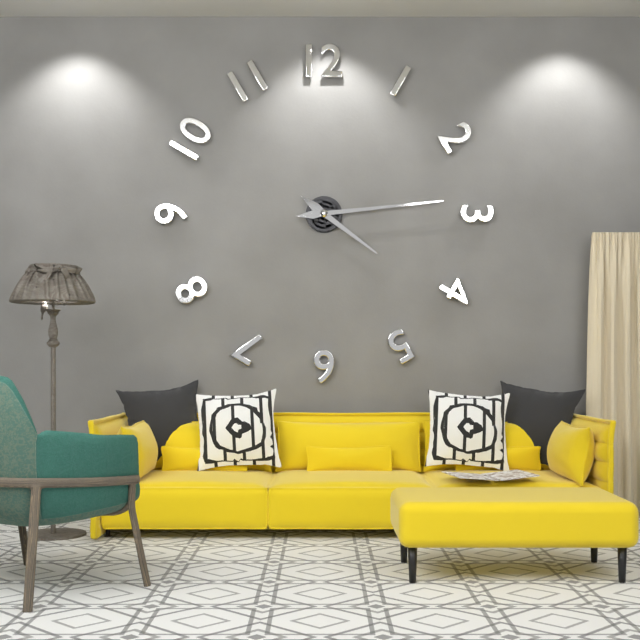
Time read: 4:14
